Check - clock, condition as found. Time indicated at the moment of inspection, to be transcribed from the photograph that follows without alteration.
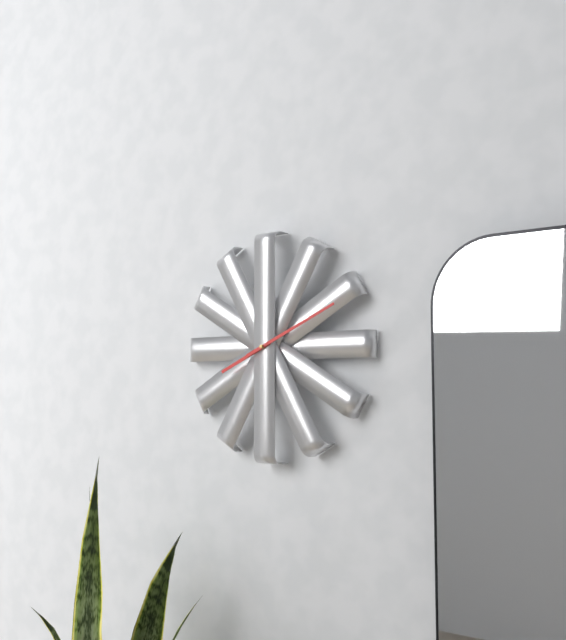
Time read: 8:11
